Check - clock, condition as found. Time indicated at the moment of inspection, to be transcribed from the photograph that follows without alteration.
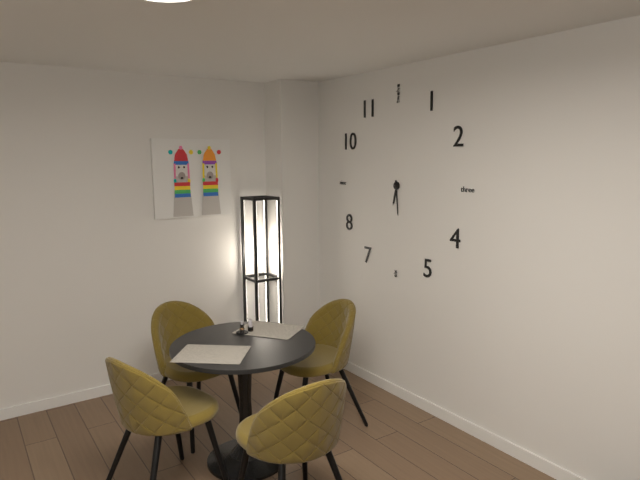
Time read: 6:29
